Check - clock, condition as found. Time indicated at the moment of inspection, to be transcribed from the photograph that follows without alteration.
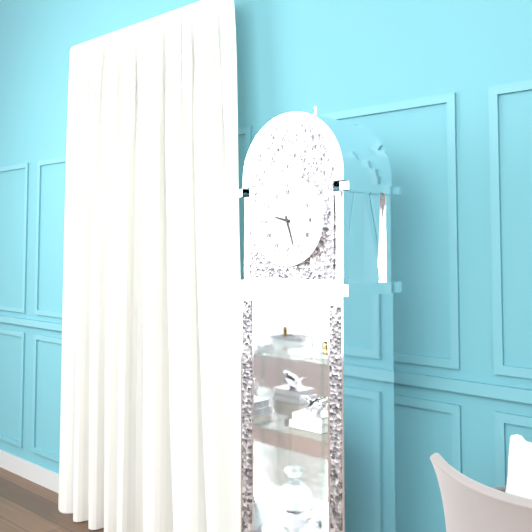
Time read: 9:27
